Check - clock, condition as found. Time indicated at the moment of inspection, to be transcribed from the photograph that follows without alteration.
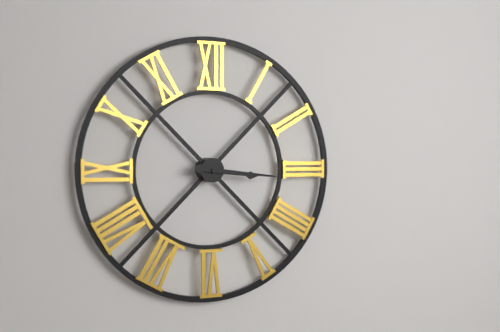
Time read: 3:16
